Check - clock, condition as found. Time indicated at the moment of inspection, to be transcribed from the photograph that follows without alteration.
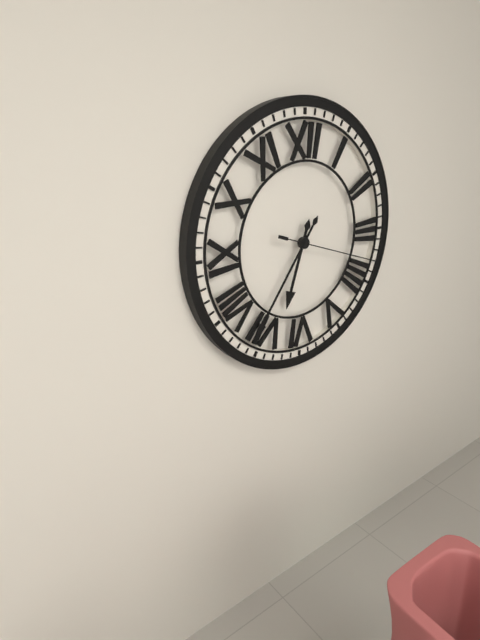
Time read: 6:36:18
